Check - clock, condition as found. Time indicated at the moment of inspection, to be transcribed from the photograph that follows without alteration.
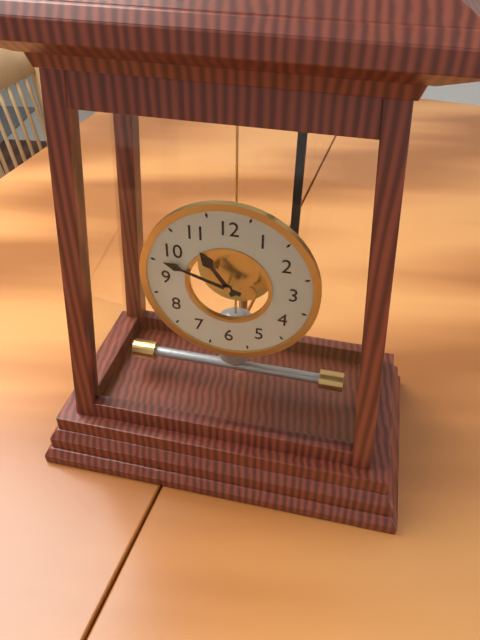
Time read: 10:48
